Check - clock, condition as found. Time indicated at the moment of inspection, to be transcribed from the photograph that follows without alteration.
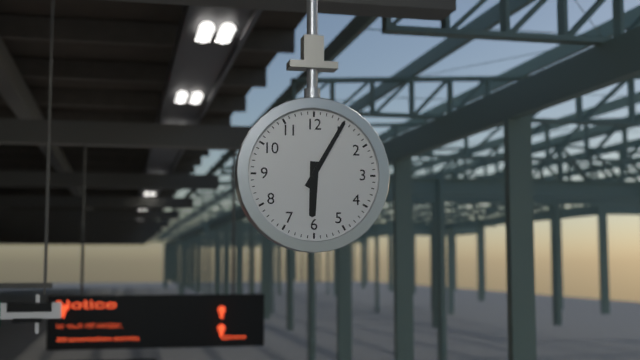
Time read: 6:05
